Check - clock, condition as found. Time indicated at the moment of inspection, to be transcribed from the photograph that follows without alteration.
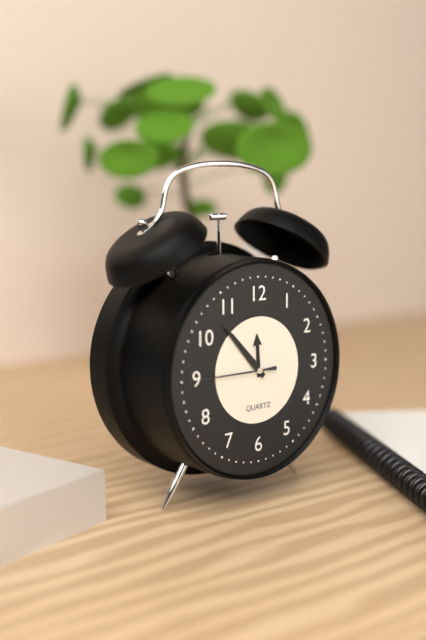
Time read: 11:53:45
